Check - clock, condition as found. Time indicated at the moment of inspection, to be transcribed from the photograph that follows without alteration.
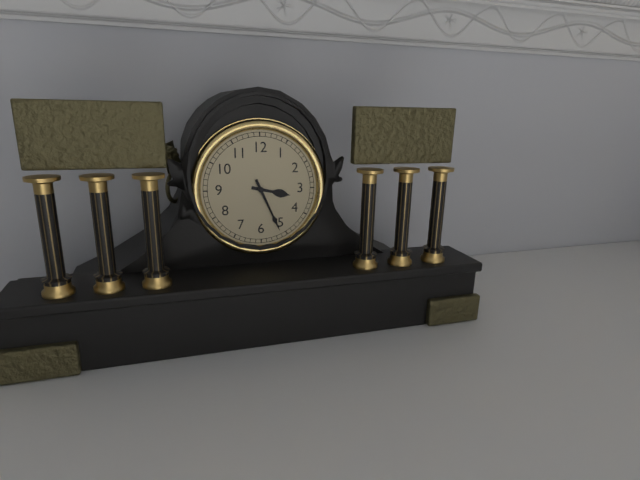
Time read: 3:26
